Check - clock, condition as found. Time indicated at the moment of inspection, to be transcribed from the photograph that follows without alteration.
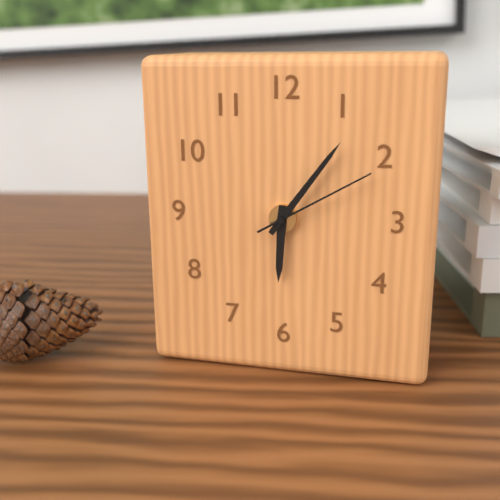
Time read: 6:06:10
